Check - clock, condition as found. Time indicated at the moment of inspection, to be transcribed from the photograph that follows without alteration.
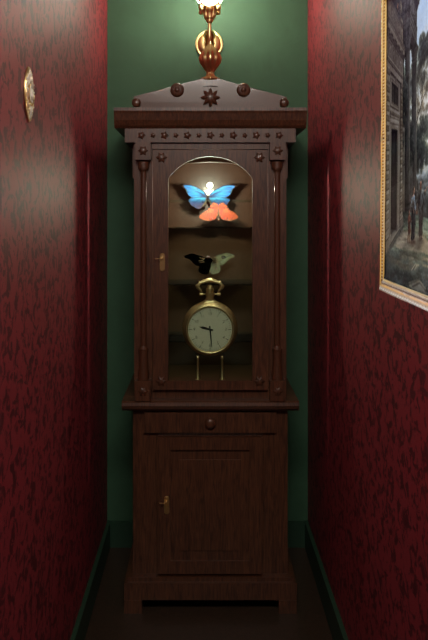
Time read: 9:29
